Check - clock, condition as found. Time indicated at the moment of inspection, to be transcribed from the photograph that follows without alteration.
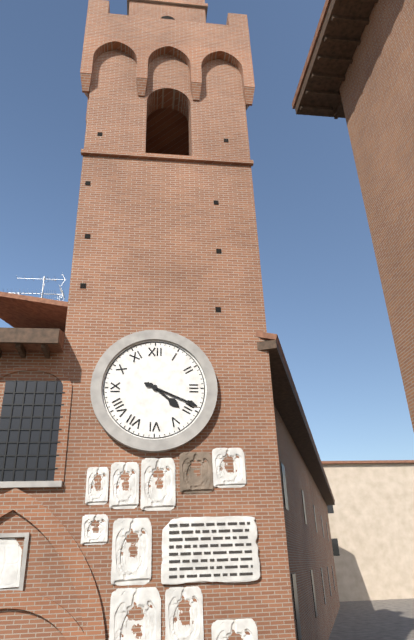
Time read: 4:19
